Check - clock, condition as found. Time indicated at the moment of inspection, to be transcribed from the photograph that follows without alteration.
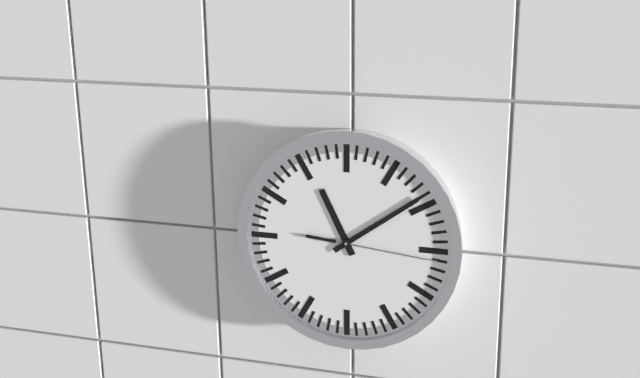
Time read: 11:09:16
